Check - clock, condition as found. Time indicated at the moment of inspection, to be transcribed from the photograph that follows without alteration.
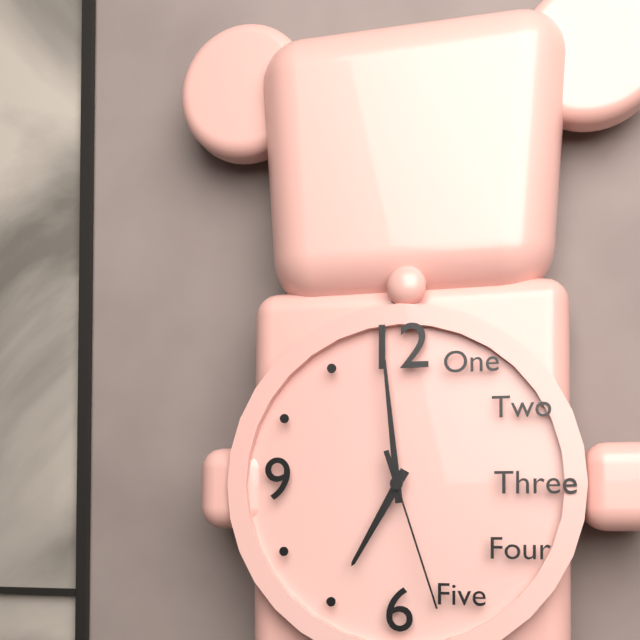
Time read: 6:59:27
